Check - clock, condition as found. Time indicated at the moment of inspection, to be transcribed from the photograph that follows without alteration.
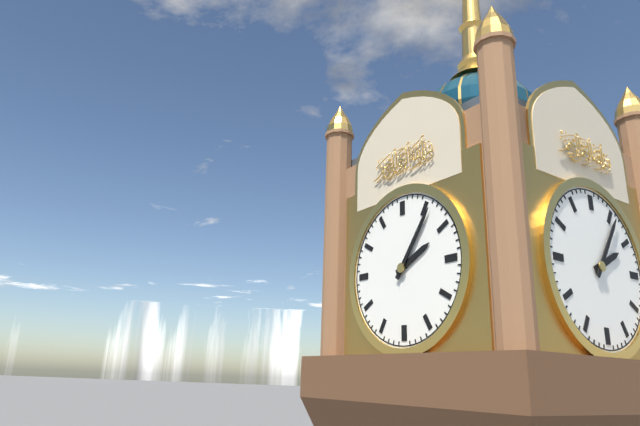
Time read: 2:06
